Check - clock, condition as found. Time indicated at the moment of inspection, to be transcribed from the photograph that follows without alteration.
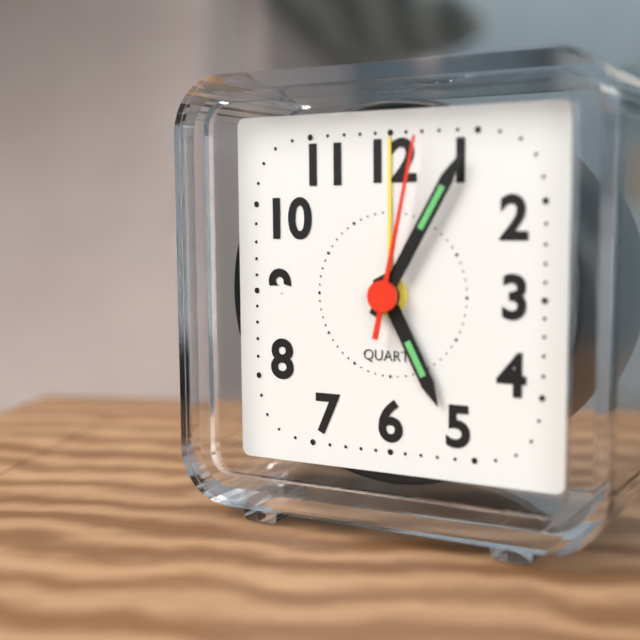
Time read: 5:05:02
